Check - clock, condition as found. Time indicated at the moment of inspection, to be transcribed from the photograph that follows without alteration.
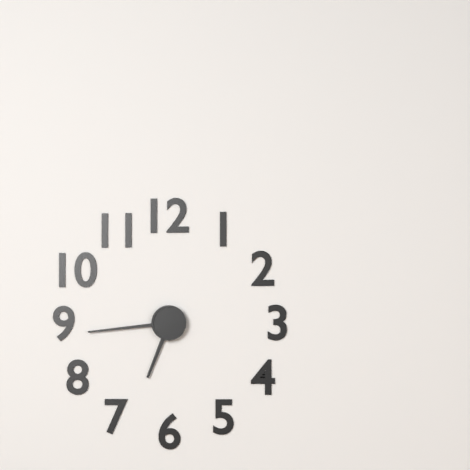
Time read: 6:44
